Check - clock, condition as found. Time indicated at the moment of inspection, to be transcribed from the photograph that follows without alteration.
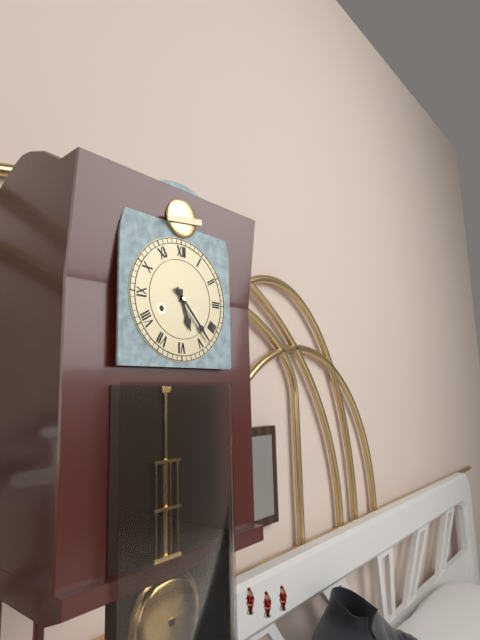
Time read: 5:23
